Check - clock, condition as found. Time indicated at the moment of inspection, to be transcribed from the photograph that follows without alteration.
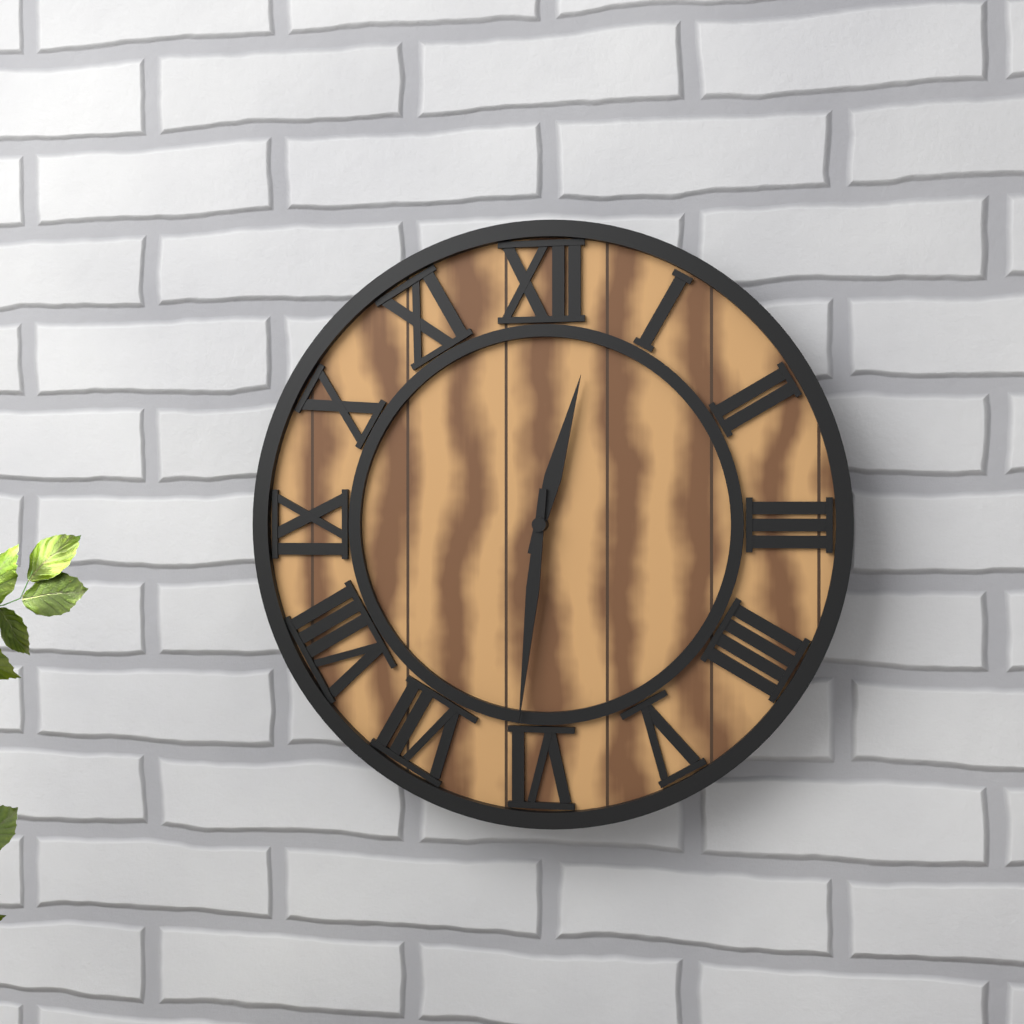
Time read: 12:31
